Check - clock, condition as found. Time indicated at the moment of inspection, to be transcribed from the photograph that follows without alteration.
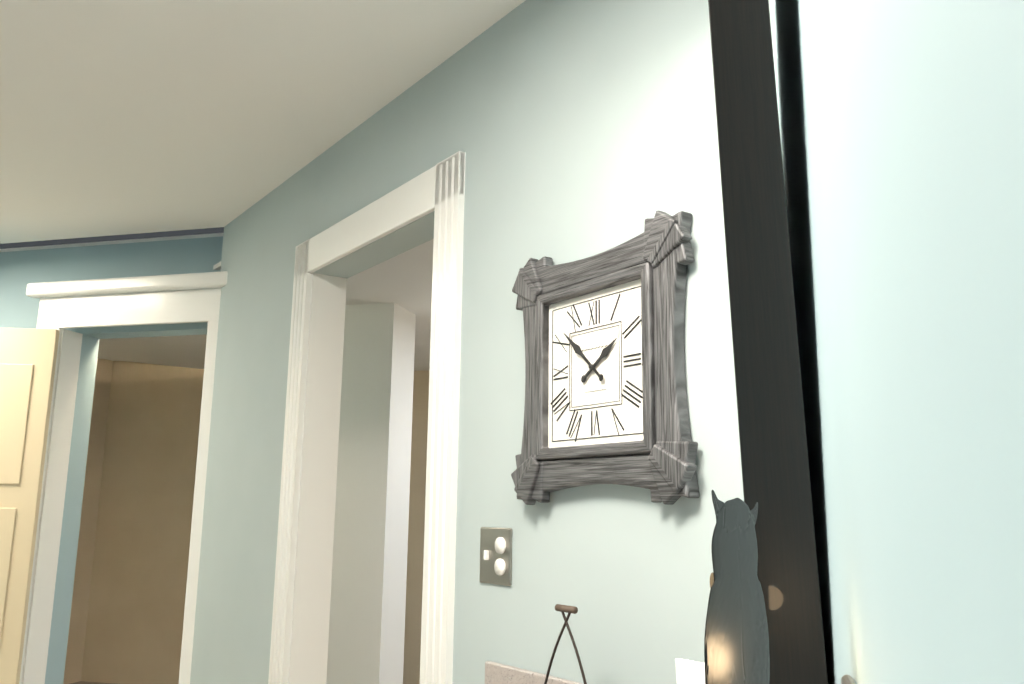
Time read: 1:52
